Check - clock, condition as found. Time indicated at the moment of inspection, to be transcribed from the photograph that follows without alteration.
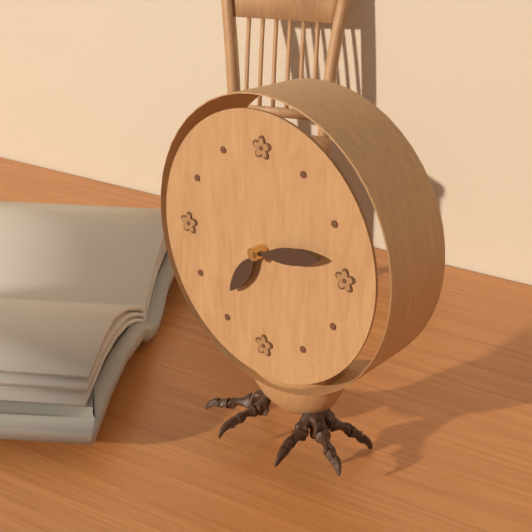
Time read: 7:13
